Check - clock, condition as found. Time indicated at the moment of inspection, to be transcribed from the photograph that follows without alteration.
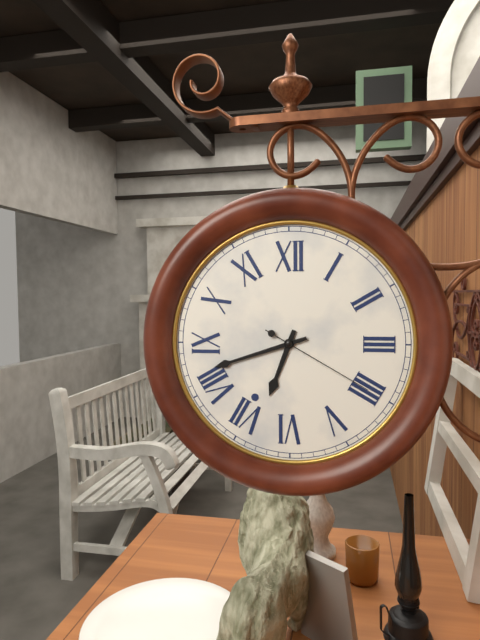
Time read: 6:42:20
